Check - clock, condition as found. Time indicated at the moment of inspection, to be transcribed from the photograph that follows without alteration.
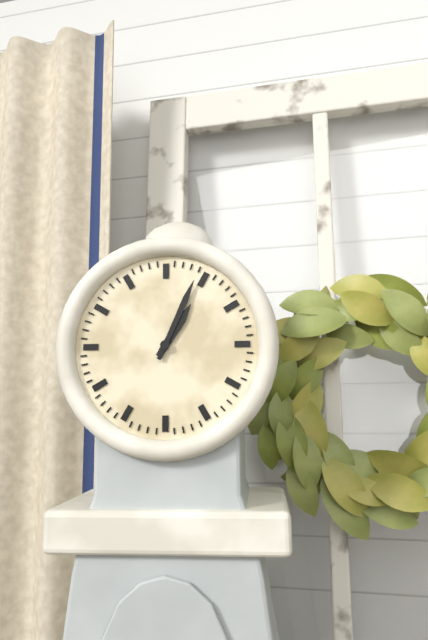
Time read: 1:04
